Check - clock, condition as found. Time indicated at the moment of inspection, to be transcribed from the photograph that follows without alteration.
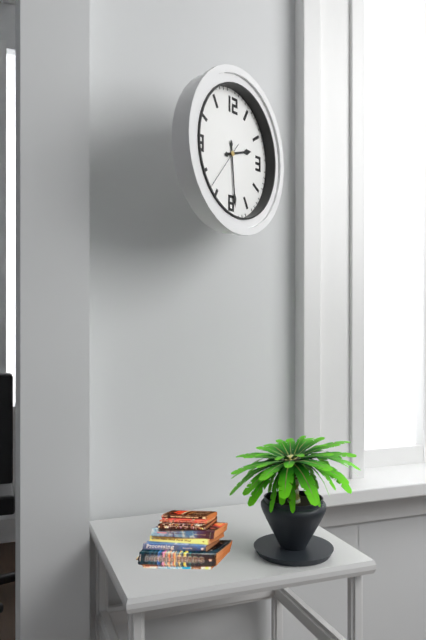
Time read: 2:29:37
